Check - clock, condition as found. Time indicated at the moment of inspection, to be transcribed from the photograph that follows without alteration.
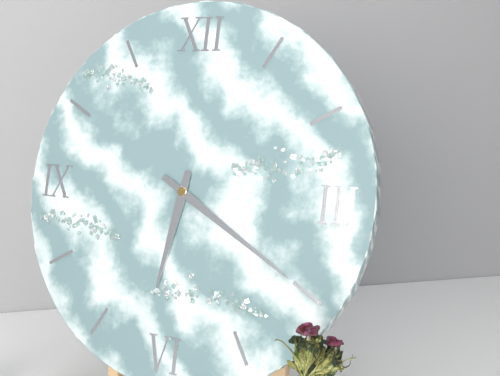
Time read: 6:20
